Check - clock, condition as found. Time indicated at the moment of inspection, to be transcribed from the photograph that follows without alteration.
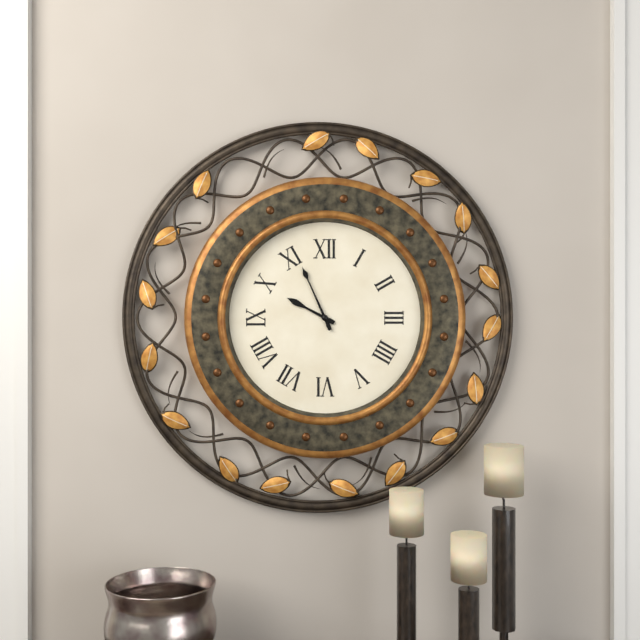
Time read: 9:56
